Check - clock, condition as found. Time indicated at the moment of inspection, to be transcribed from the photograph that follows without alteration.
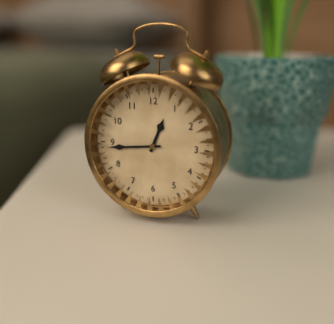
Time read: 12:44
